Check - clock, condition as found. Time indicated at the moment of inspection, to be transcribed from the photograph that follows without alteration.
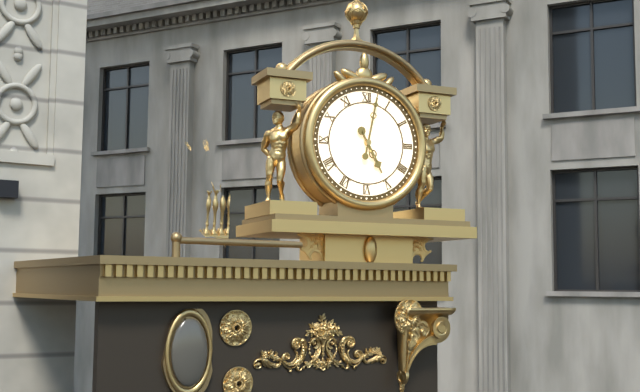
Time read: 5:02
